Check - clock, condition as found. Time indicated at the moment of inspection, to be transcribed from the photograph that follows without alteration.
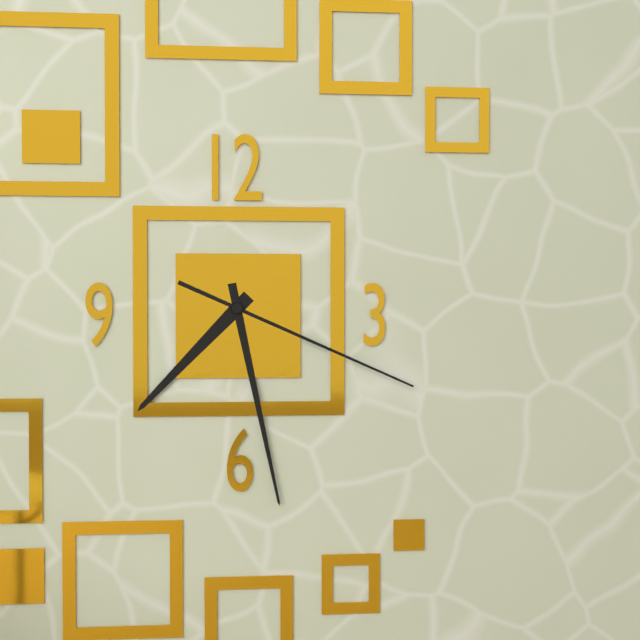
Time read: 7:28:19
